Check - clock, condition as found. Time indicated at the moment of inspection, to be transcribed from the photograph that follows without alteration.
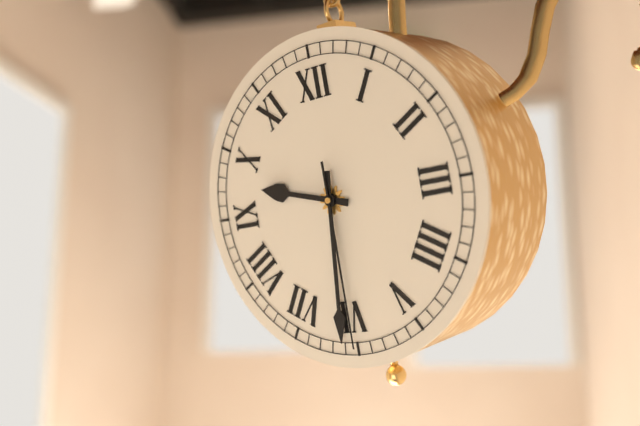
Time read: 9:31:30
